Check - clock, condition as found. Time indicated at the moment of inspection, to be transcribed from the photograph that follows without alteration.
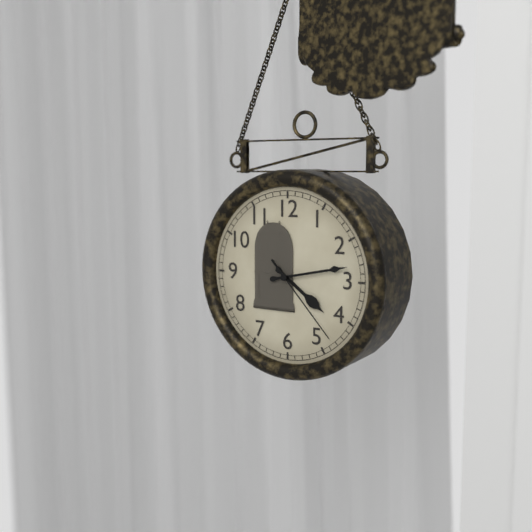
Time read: 4:13:23
